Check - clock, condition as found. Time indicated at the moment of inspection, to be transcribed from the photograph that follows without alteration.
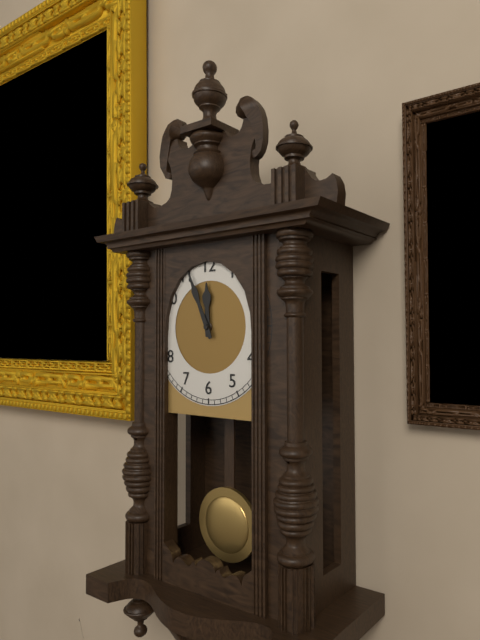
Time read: 11:56
